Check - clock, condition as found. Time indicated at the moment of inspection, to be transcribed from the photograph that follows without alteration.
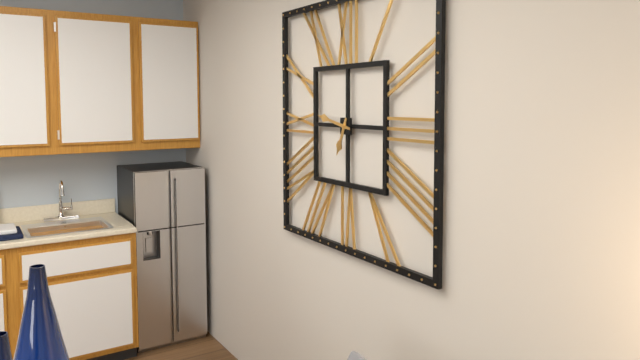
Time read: 6:47
